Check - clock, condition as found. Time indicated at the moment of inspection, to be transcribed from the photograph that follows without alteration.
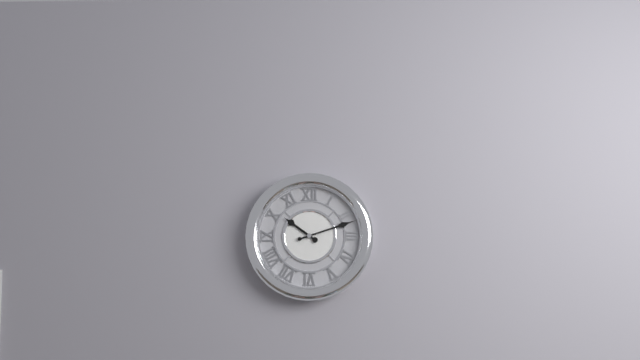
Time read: 10:12
